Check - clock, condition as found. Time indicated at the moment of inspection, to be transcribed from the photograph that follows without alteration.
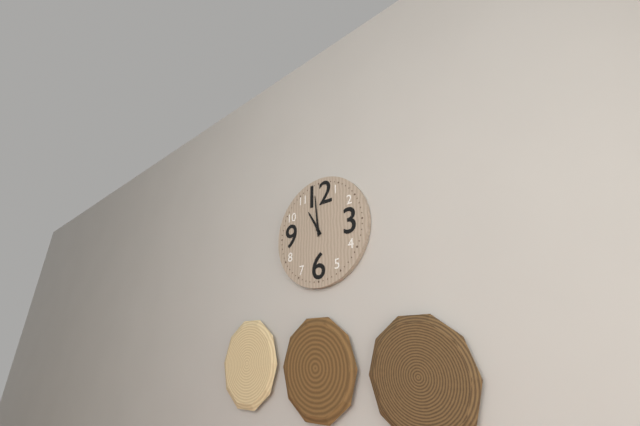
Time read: 10:59
